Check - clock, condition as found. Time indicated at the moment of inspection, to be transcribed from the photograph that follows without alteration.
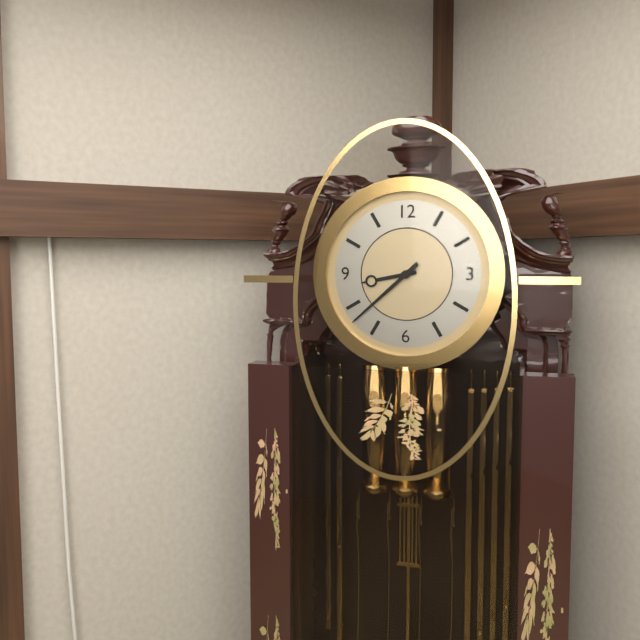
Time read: 8:38
